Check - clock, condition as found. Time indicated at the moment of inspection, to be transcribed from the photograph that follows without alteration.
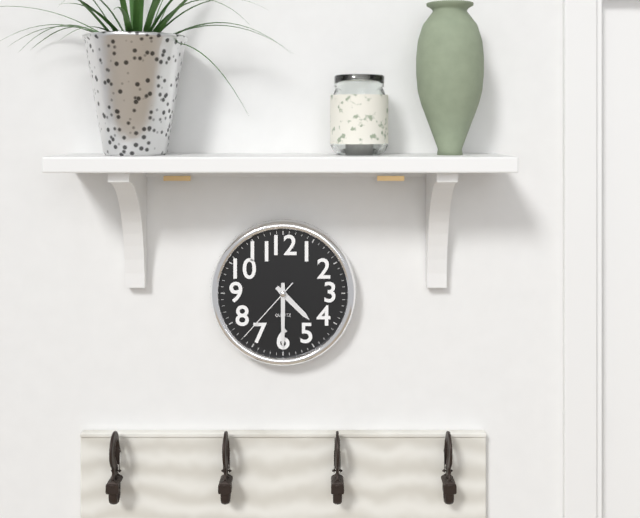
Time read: 4:30:37
